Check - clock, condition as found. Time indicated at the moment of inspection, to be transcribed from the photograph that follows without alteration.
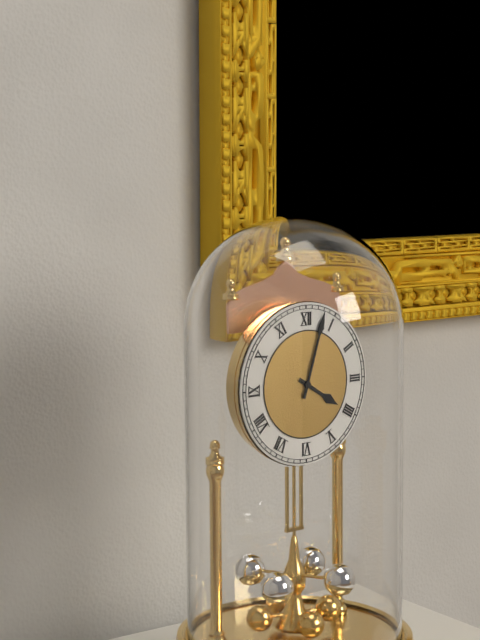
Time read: 4:03
